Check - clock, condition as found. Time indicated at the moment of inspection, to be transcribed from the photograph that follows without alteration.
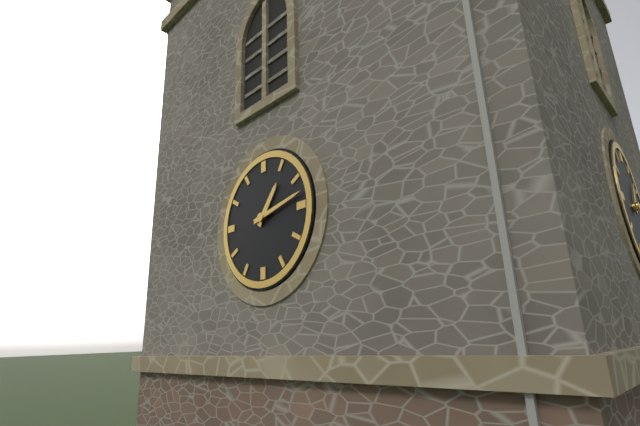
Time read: 1:13
